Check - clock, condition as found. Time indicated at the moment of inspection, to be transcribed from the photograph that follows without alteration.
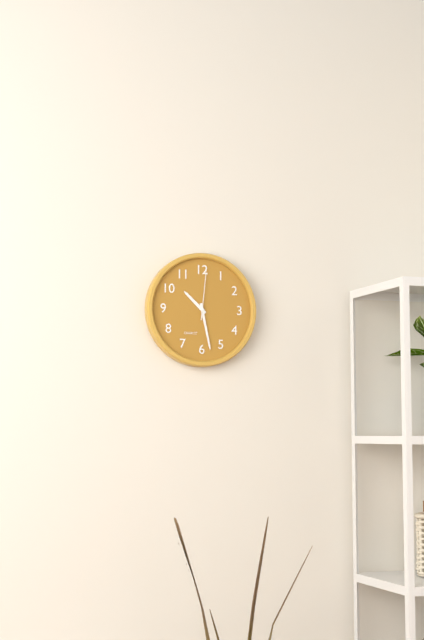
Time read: 10:28:01
